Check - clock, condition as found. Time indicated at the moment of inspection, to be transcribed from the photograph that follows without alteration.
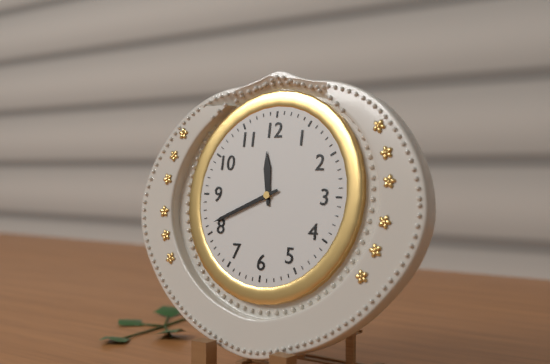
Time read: 11:41
